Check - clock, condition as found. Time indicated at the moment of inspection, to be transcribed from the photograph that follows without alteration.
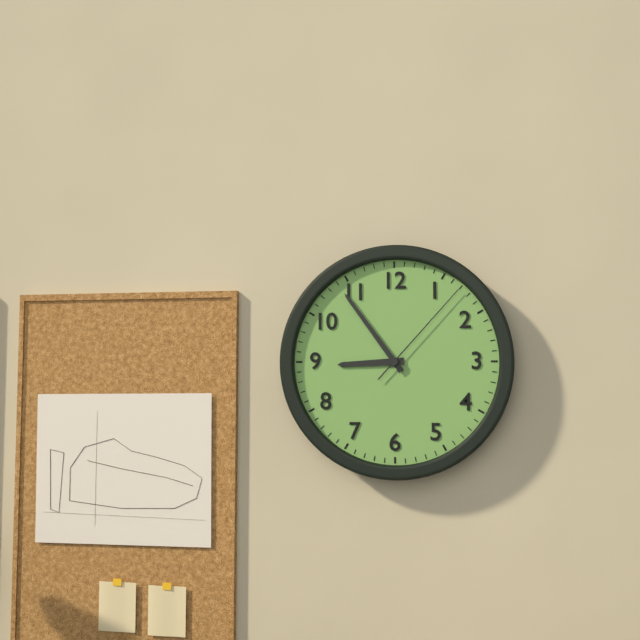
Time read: 8:54:07
